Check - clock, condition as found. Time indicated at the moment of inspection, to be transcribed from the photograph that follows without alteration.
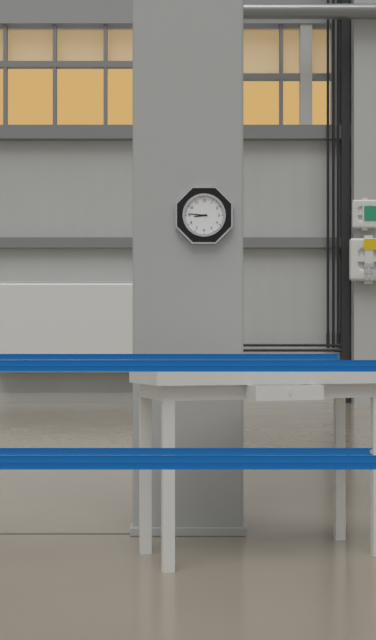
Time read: 8:46
